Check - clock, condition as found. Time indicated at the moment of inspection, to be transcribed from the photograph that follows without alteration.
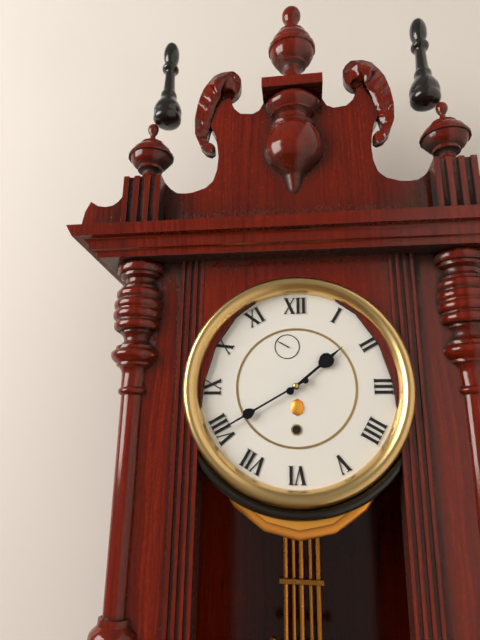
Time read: 1:40
